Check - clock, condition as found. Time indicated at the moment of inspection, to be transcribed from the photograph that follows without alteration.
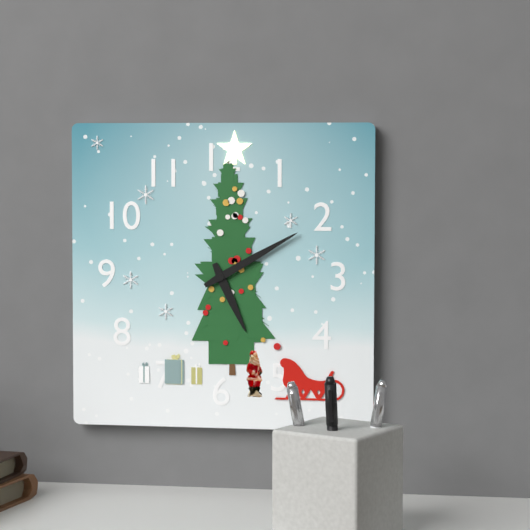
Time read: 5:10
